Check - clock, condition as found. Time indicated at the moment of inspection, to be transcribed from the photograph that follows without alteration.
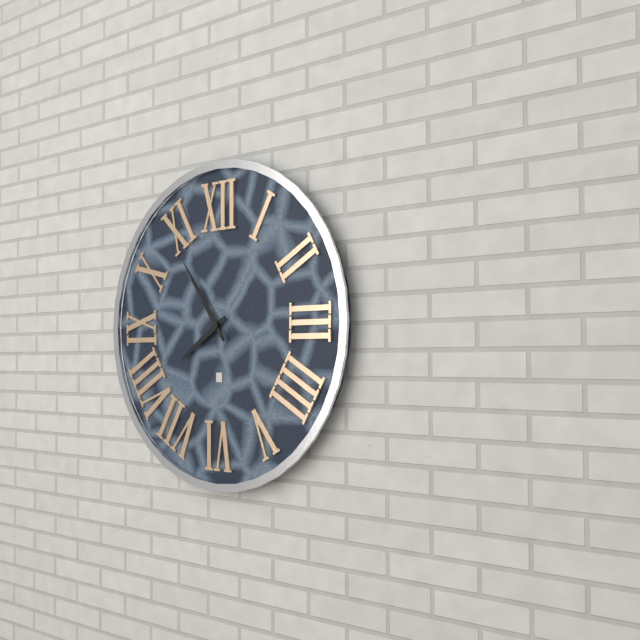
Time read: 7:54
